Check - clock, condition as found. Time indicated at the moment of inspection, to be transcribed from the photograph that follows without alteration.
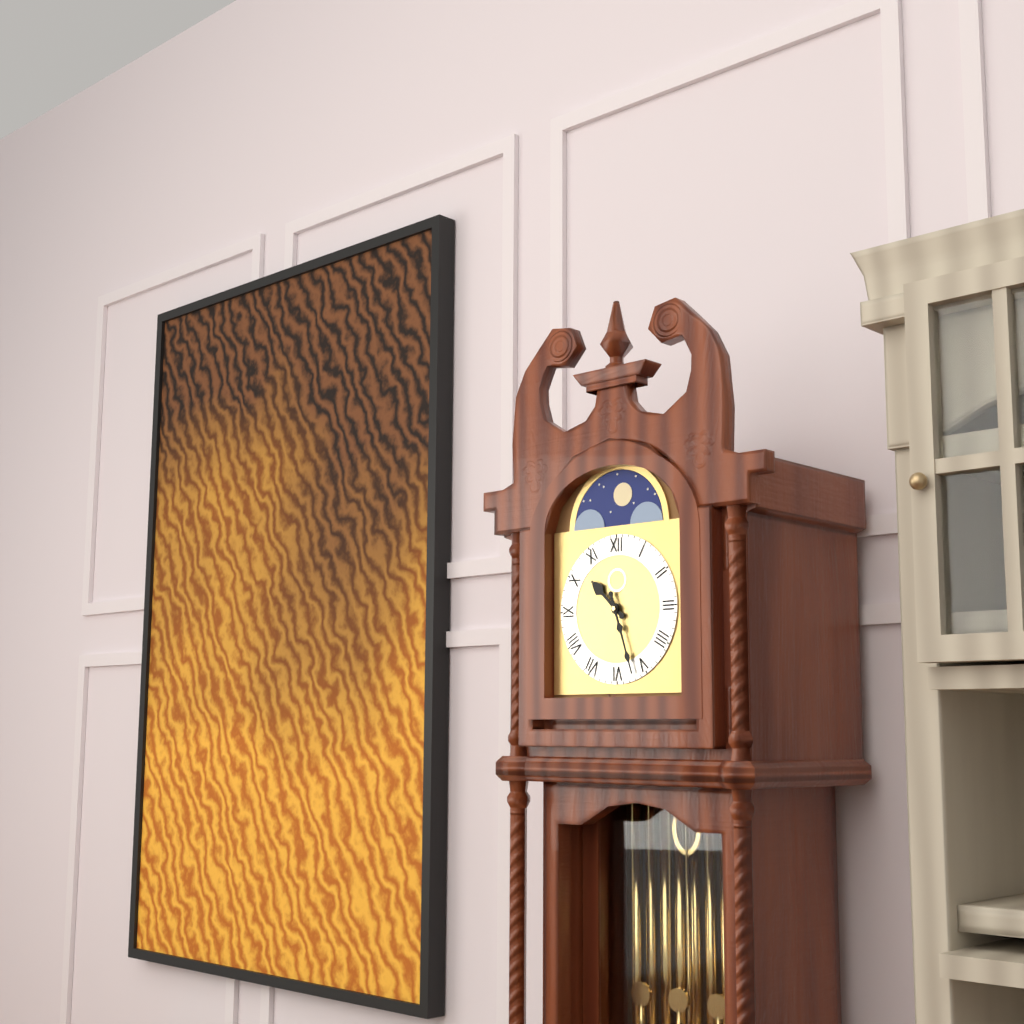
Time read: 10:27
